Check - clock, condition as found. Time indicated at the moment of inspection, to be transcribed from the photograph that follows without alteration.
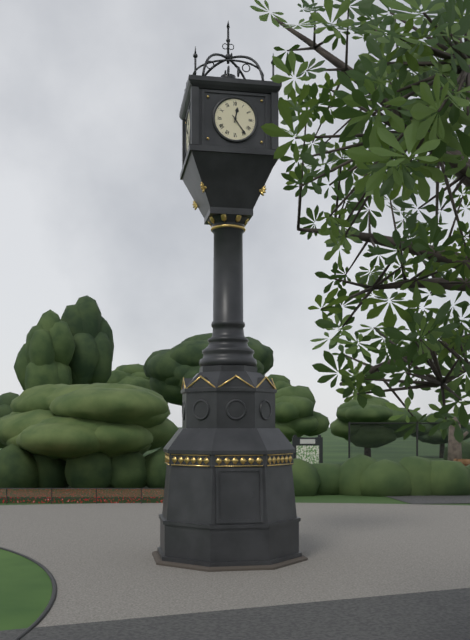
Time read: 12:24
